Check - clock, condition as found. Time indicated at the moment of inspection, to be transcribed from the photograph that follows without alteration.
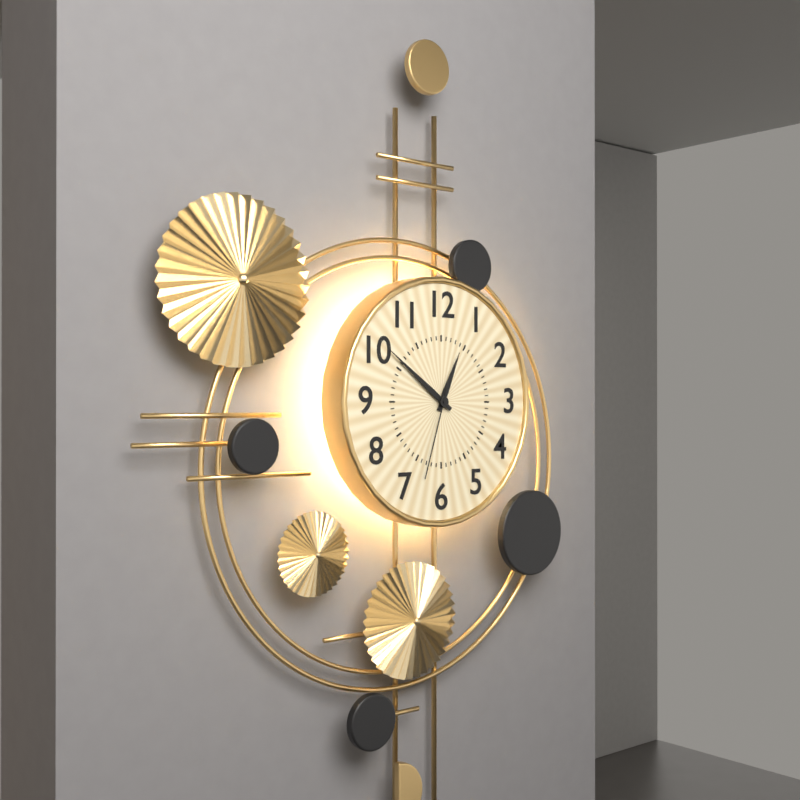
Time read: 12:51:33
